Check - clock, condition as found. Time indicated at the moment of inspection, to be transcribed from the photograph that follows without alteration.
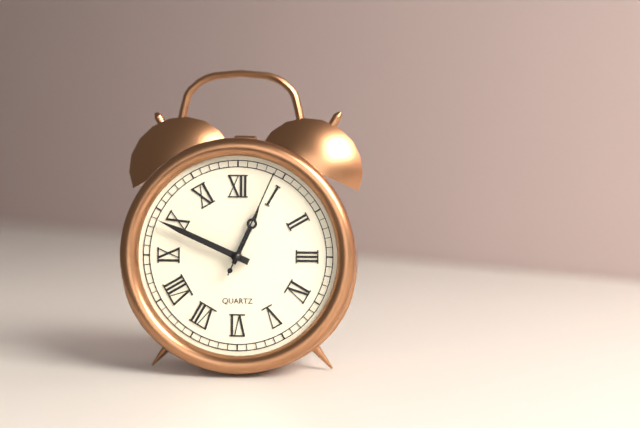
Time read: 12:49:04
